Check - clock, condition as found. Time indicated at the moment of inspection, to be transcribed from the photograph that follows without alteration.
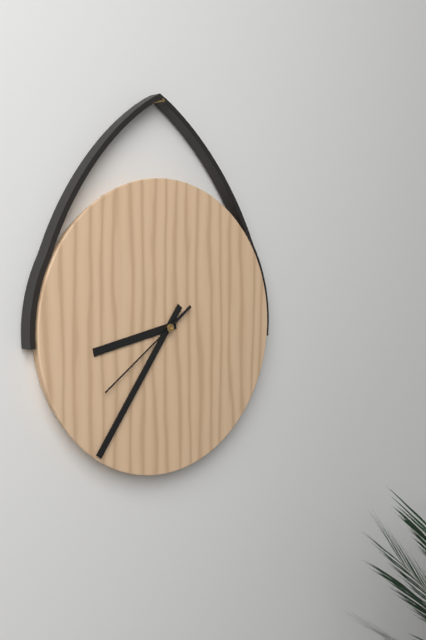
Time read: 8:36:39
